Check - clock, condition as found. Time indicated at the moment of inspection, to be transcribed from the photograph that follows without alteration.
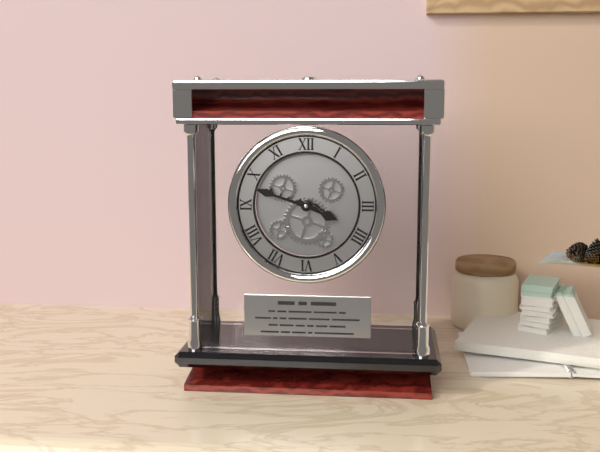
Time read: 3:48
